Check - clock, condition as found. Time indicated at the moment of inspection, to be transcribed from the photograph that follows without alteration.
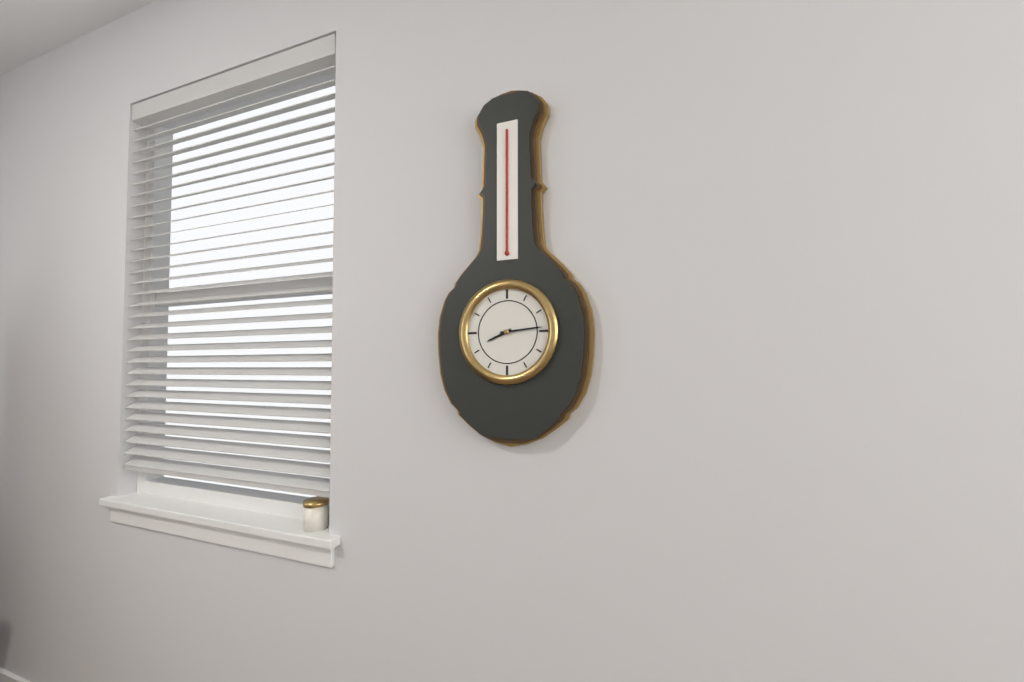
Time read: 8:14
